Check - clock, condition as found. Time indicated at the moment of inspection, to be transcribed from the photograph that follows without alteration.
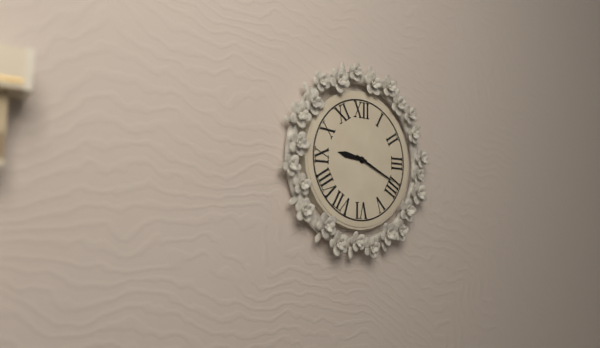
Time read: 9:19
